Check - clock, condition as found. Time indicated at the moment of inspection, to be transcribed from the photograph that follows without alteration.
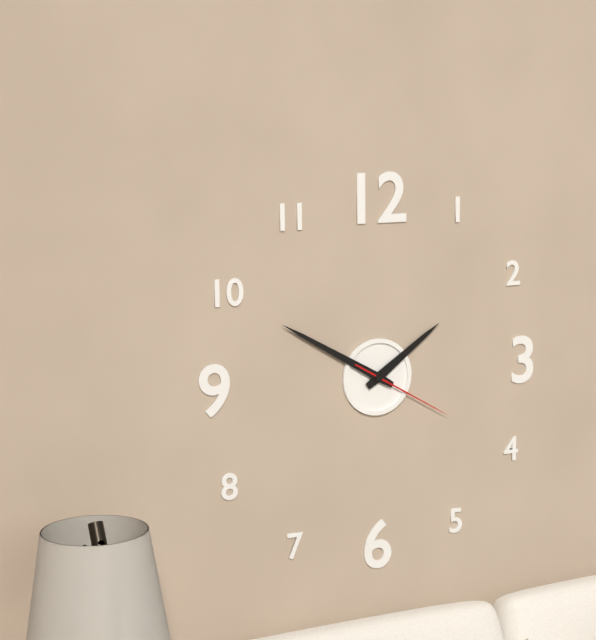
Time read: 1:50:20
